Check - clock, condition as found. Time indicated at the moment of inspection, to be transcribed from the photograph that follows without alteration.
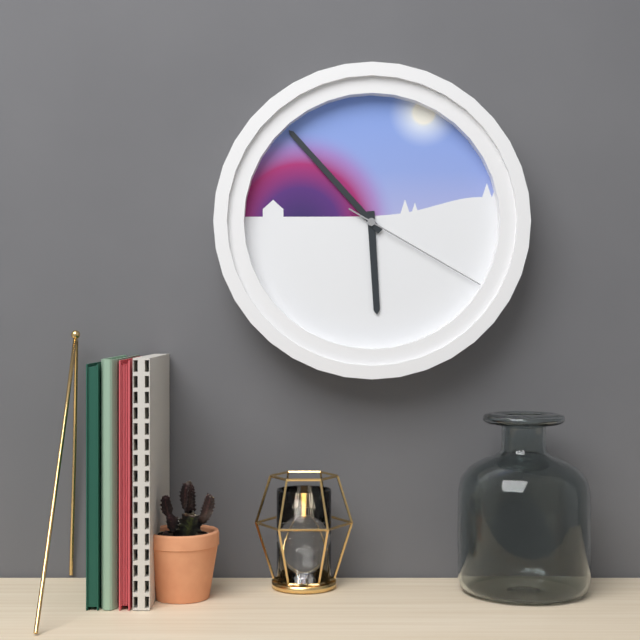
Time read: 5:53:20
